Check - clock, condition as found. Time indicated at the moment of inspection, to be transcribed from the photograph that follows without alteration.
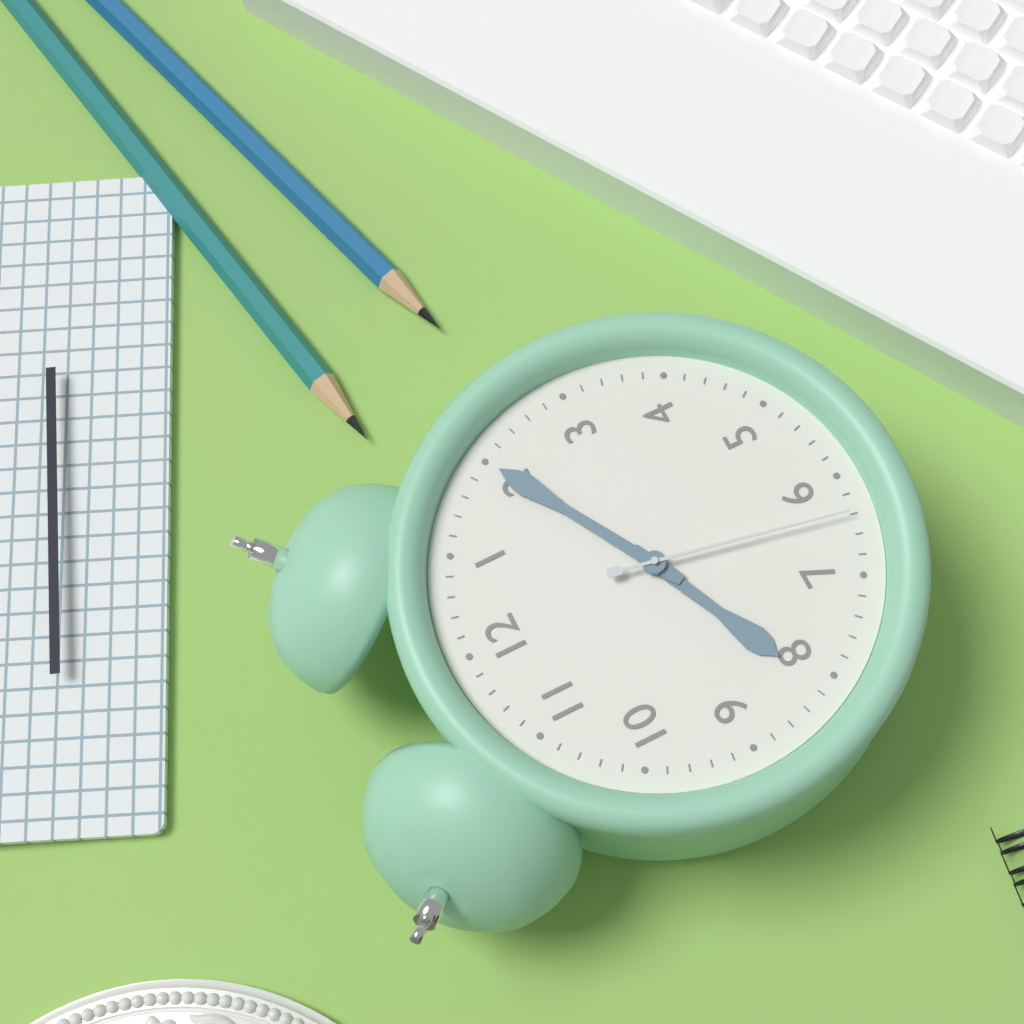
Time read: 8:10:32
